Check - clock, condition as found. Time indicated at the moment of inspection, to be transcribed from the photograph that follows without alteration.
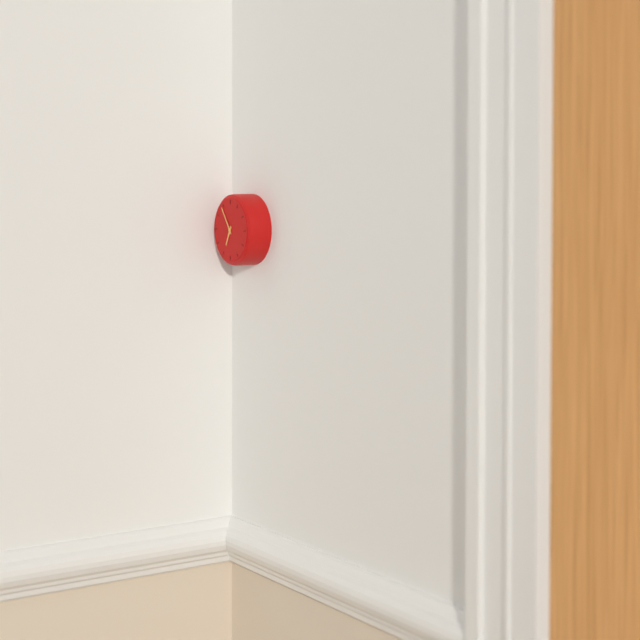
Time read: 6:54
